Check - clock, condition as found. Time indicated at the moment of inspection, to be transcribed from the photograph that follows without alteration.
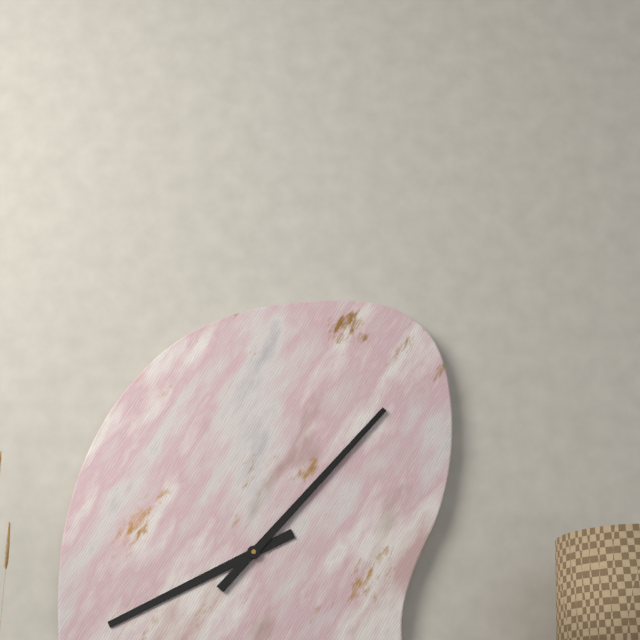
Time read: 8:07
